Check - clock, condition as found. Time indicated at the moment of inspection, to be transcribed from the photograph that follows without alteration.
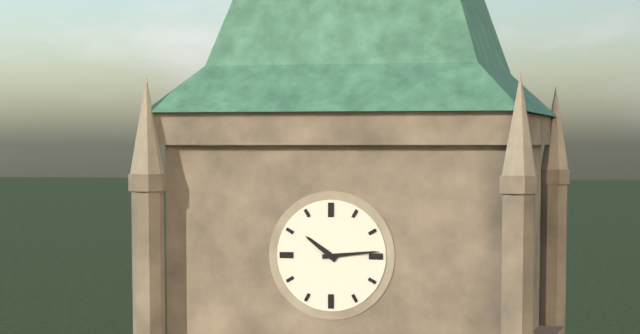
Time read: 10:14
